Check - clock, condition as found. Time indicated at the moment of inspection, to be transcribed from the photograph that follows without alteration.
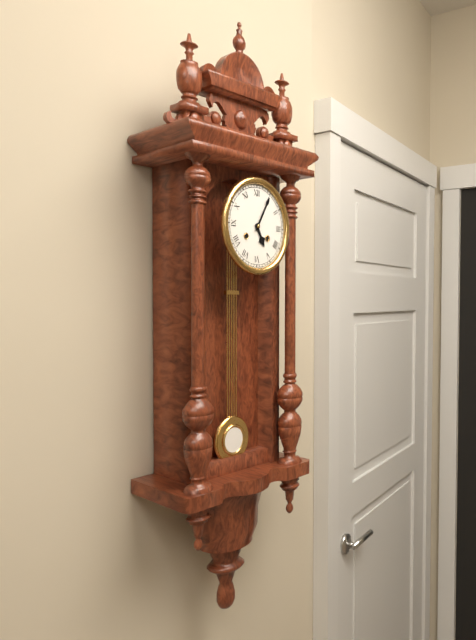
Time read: 5:05
